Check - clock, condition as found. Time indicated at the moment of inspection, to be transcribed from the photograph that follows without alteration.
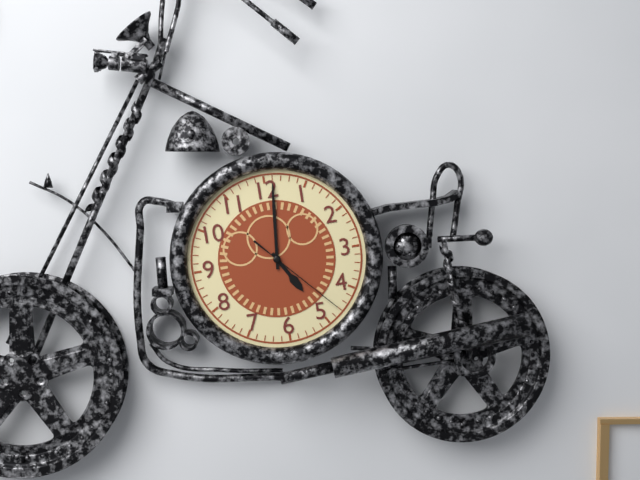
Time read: 5:01:23
